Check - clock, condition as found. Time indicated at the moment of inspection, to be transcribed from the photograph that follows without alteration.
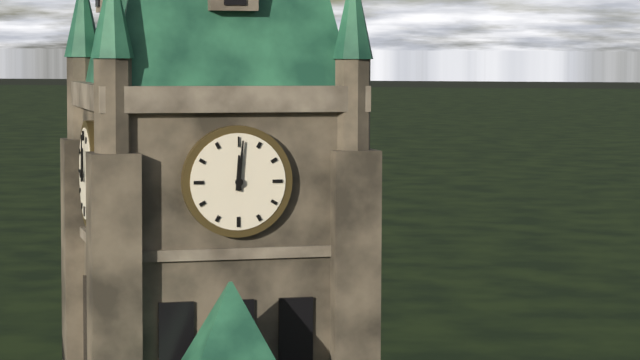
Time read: 12:01
